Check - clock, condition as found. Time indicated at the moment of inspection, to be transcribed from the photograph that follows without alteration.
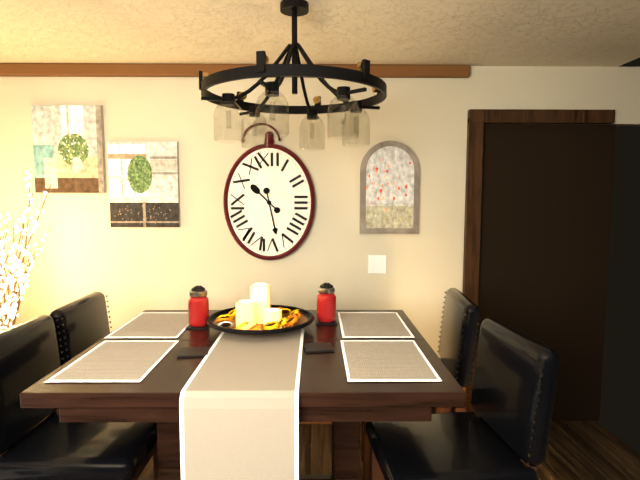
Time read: 10:28
